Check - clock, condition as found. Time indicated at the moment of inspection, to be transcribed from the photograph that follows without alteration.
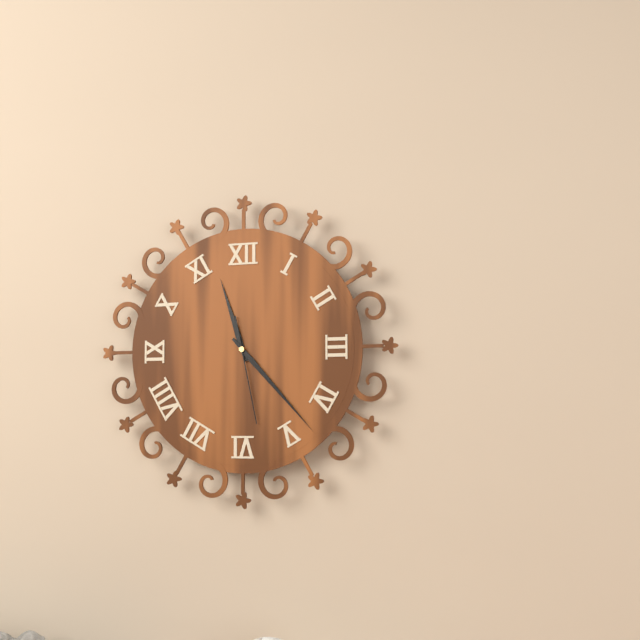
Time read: 11:23:28
